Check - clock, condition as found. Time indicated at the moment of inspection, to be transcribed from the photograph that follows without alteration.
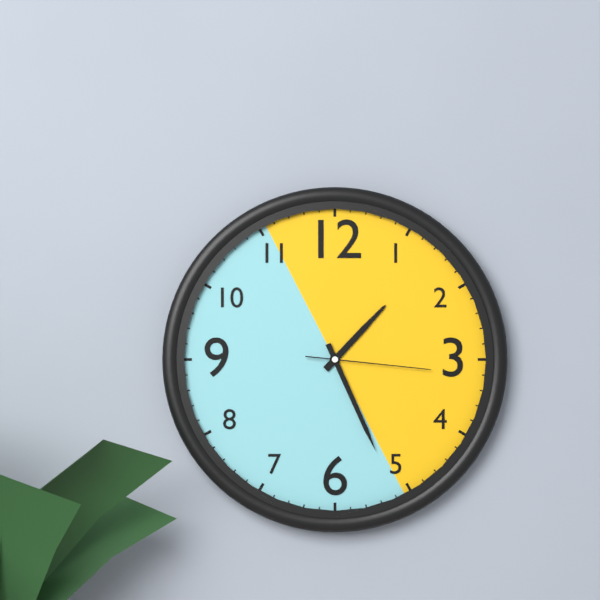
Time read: 1:26:16
